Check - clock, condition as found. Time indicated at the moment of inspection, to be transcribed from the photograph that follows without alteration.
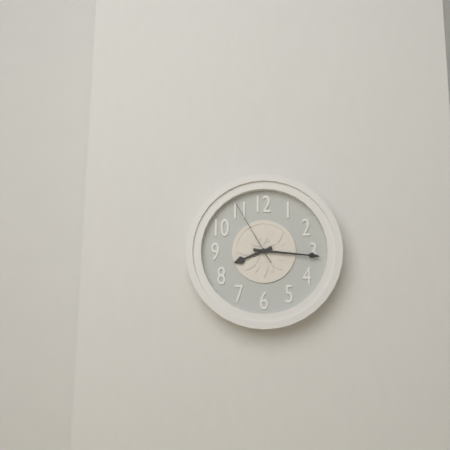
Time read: 8:16:55
